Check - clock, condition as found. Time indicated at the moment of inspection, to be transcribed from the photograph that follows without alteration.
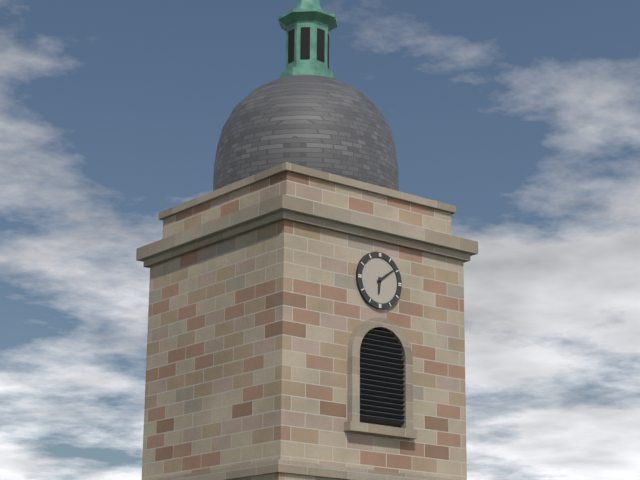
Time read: 6:09
